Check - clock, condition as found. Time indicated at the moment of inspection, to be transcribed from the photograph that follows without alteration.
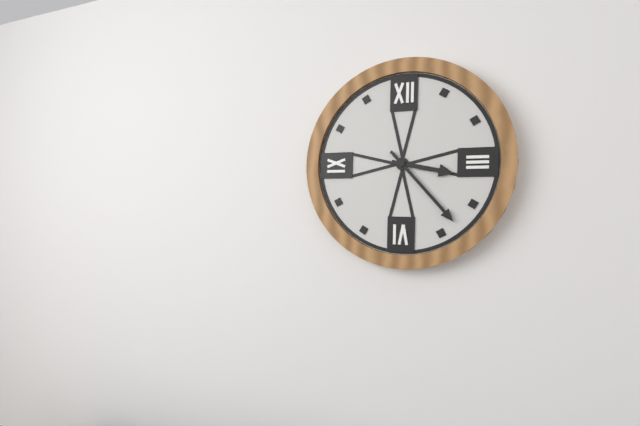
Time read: 3:23
